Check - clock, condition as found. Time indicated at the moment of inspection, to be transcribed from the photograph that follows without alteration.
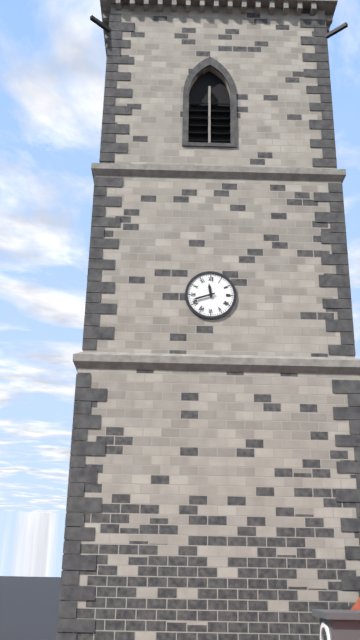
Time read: 11:42
